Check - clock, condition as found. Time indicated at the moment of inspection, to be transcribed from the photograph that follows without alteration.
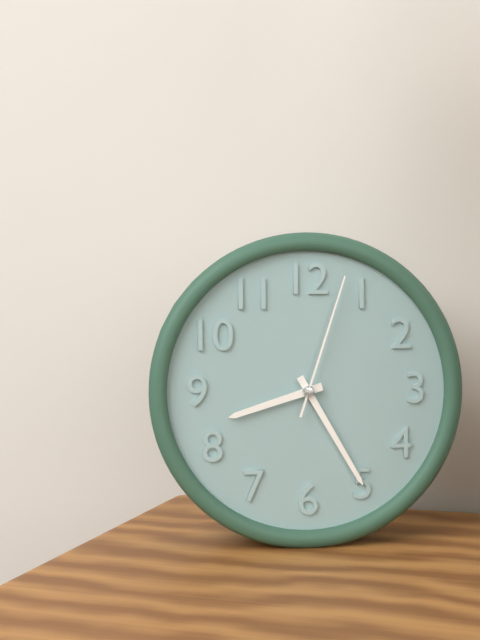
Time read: 8:25:03
